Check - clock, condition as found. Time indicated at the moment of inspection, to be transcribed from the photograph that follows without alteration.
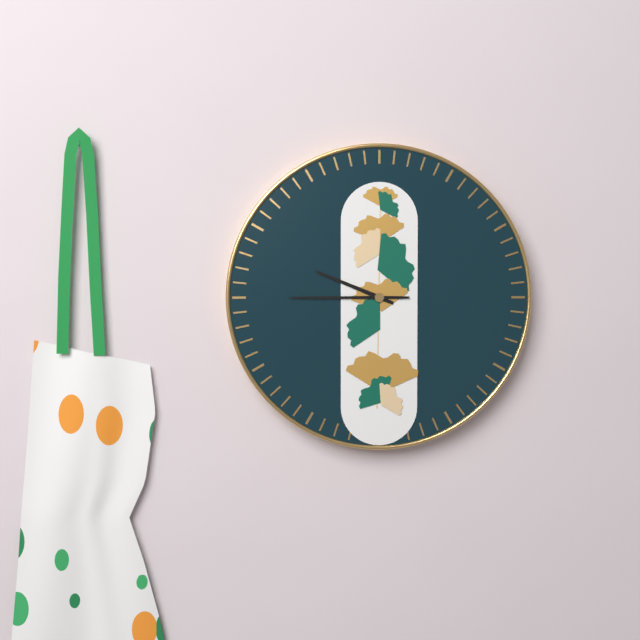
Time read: 9:45
